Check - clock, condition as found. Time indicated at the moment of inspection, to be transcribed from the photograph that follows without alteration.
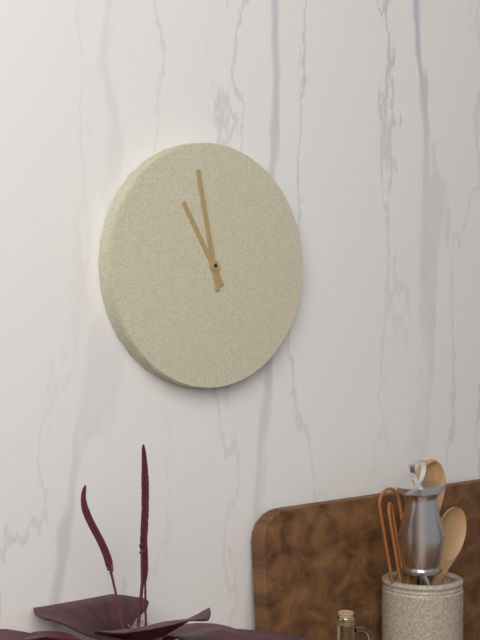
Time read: 10:58
